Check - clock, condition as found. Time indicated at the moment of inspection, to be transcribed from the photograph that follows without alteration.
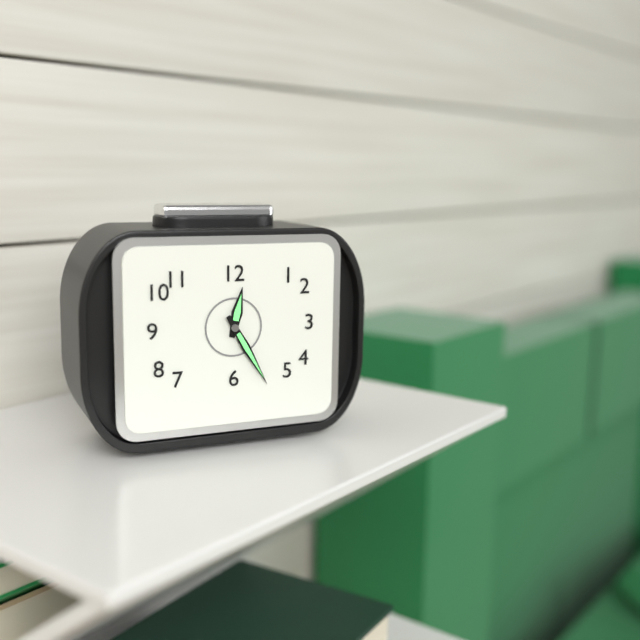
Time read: 12:25
